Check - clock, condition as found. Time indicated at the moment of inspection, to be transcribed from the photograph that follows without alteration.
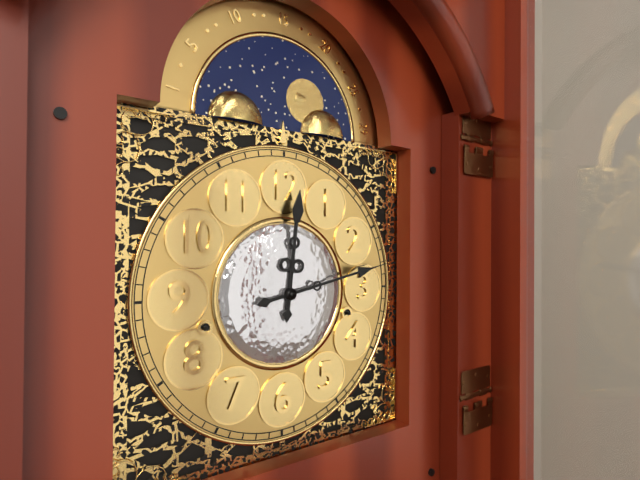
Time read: 12:13
